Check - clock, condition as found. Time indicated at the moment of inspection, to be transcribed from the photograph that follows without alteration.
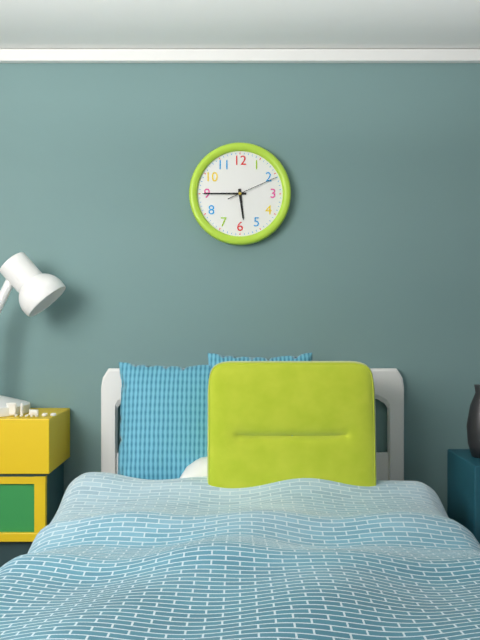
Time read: 5:45:11
